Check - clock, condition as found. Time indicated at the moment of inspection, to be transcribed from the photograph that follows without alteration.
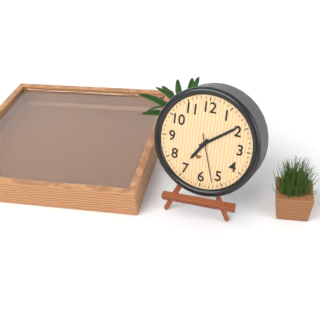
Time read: 7:09:27
